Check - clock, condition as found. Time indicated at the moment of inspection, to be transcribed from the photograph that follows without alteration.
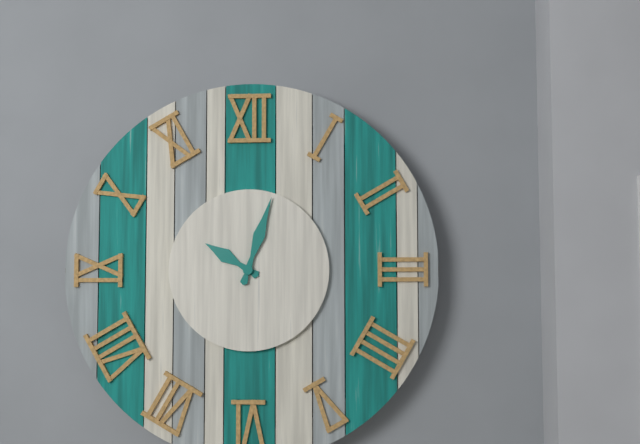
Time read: 10:03
